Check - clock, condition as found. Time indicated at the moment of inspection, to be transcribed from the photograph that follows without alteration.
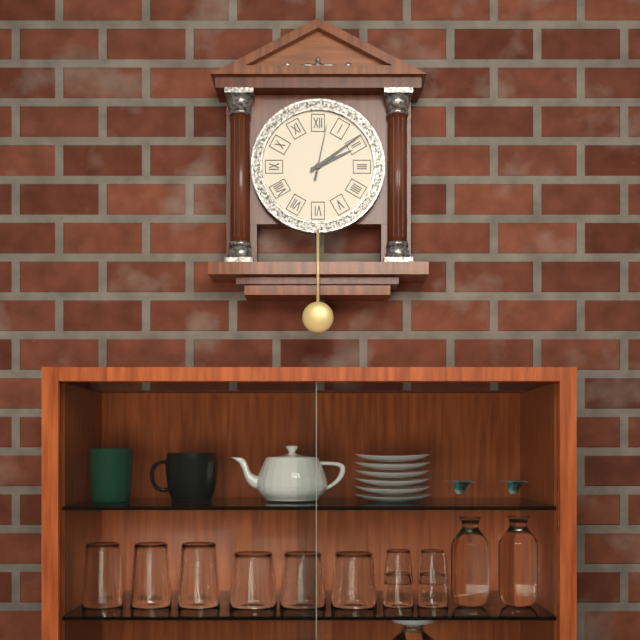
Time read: 2:09:02
